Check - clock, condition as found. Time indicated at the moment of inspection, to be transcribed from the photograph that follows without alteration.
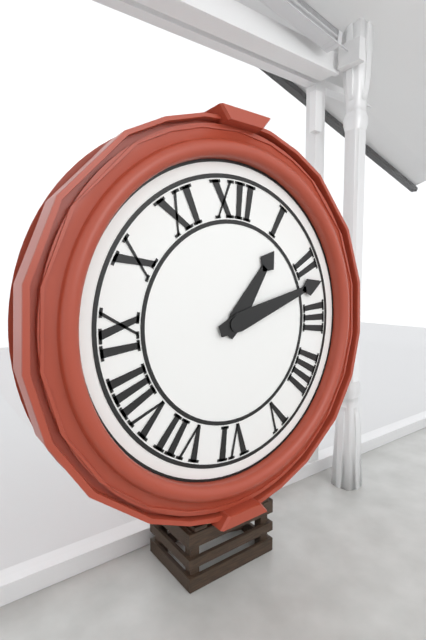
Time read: 1:12
